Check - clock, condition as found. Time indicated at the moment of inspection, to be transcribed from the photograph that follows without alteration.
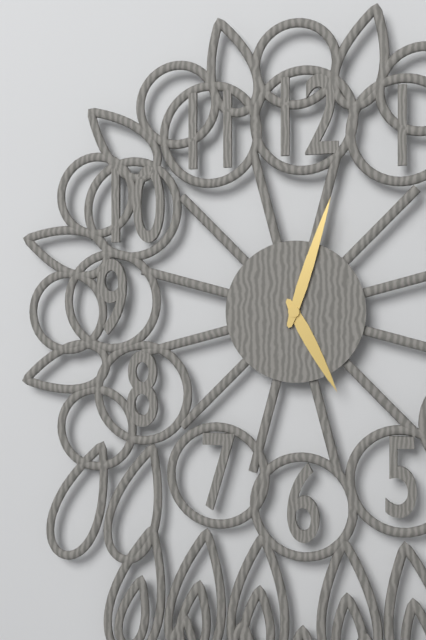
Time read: 5:03
